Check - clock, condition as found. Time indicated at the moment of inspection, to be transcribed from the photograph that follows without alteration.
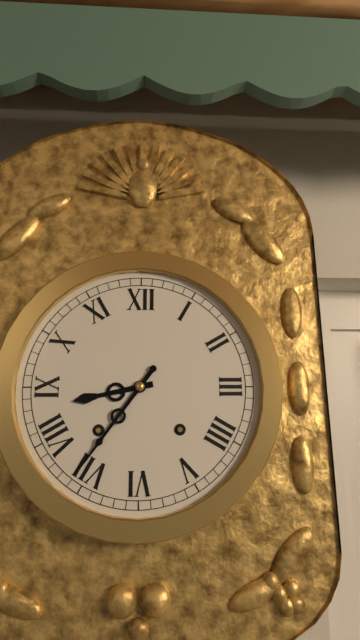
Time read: 8:36
